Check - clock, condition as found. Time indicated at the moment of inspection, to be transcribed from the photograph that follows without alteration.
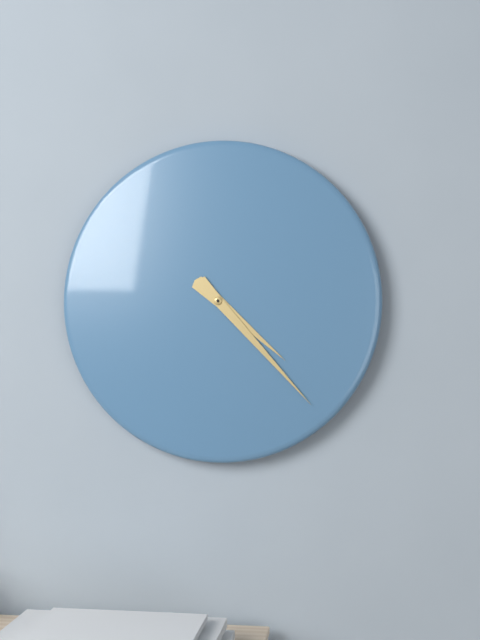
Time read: 4:23
